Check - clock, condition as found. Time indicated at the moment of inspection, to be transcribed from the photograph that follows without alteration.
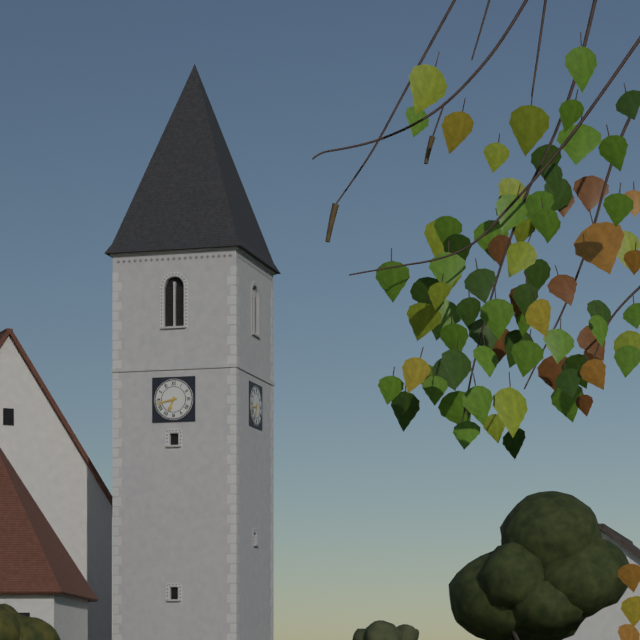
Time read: 6:43
